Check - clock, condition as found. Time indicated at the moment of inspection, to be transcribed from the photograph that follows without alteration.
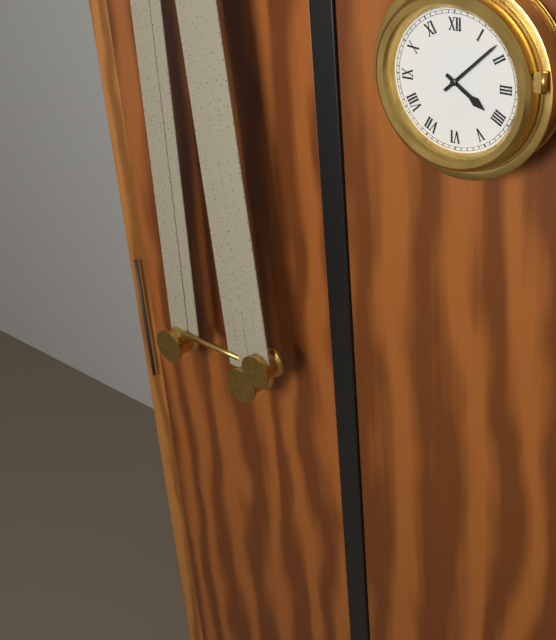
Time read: 4:08
